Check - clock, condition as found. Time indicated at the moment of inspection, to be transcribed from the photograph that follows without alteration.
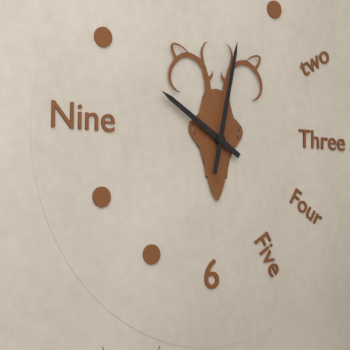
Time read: 10:02
